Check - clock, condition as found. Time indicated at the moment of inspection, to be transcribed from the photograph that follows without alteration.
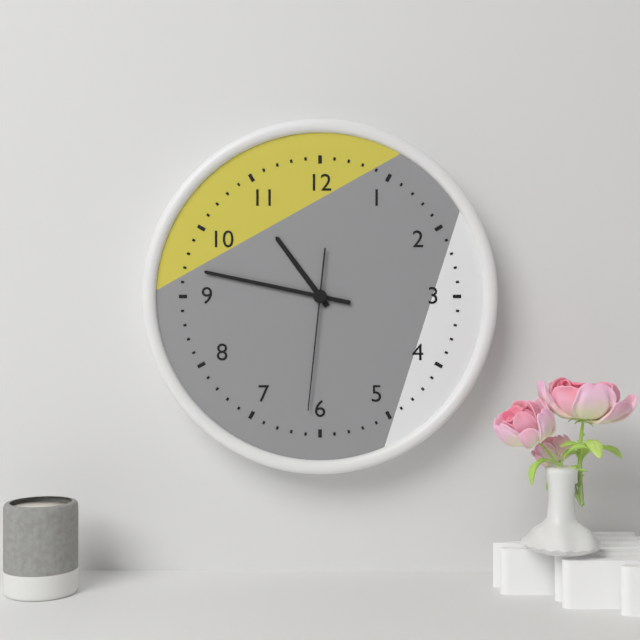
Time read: 10:47:31
